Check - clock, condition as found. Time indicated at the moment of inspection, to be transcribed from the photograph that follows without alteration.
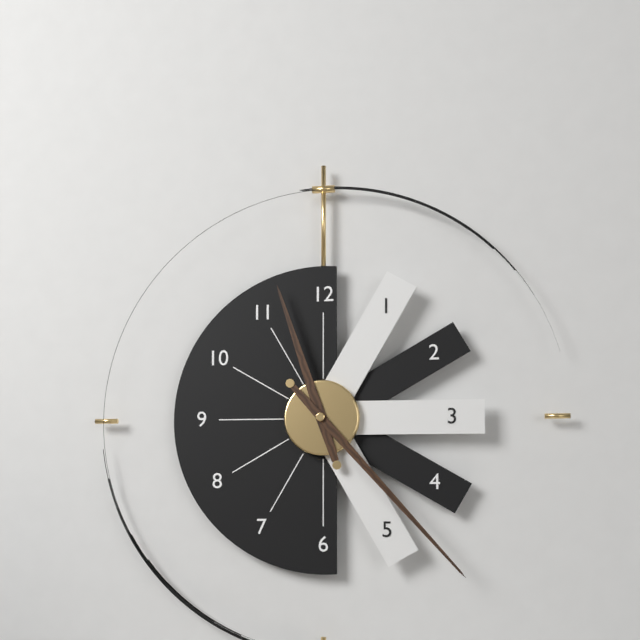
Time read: 11:23
